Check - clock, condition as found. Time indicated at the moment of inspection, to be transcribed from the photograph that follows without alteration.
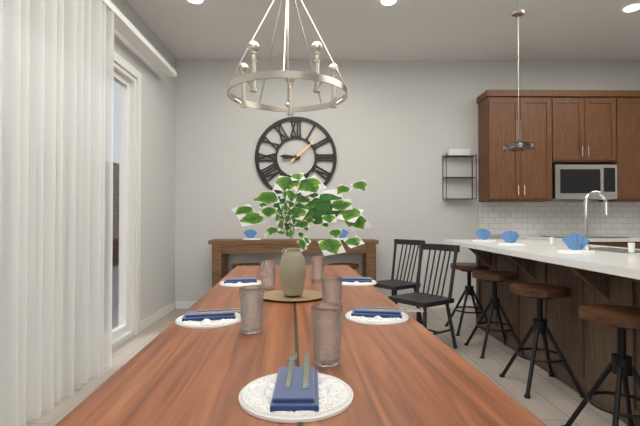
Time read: 9:08
